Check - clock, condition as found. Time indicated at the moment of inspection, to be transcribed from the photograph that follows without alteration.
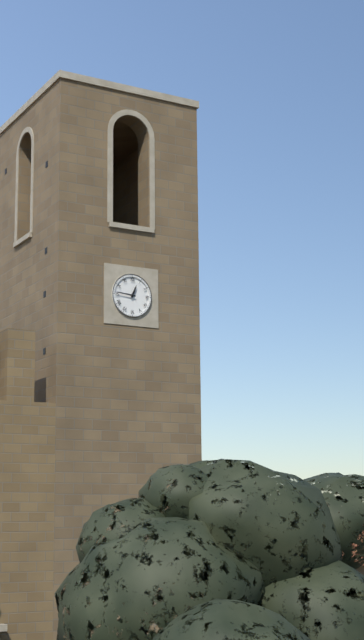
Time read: 12:46
